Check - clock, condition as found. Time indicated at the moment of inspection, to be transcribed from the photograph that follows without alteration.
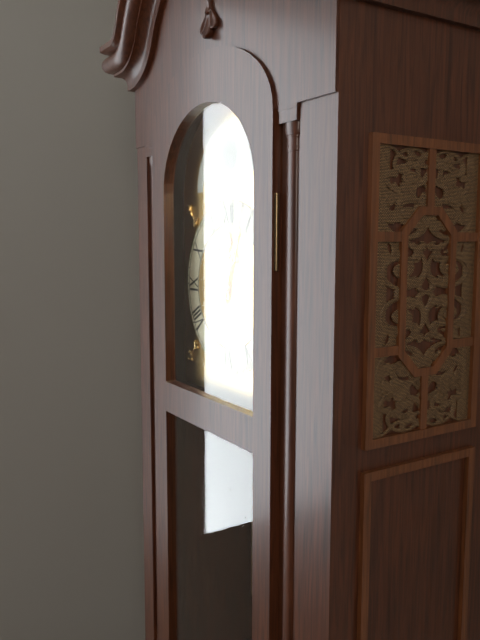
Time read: 12:03
